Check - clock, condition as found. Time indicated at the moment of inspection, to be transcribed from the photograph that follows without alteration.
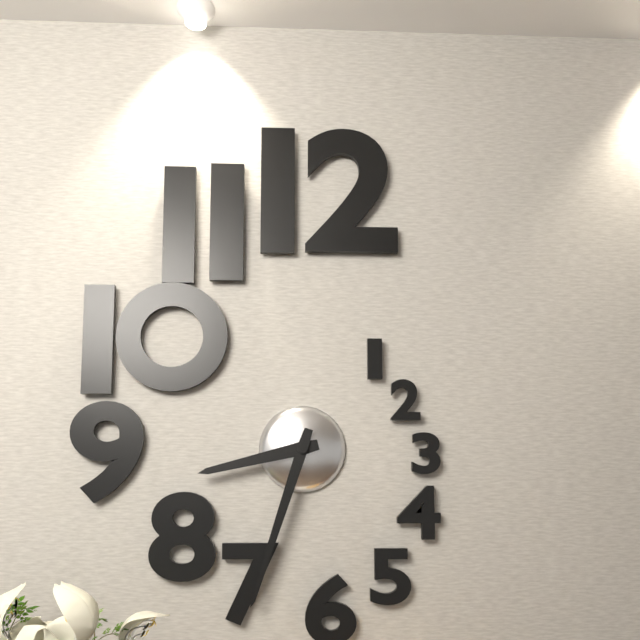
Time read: 8:33
